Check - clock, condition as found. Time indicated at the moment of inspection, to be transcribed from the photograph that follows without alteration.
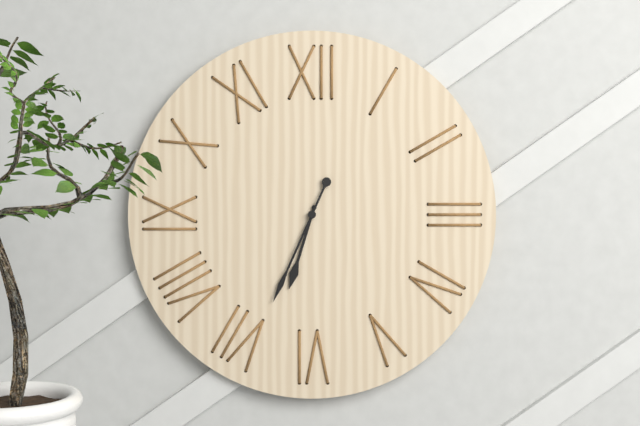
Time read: 6:34
